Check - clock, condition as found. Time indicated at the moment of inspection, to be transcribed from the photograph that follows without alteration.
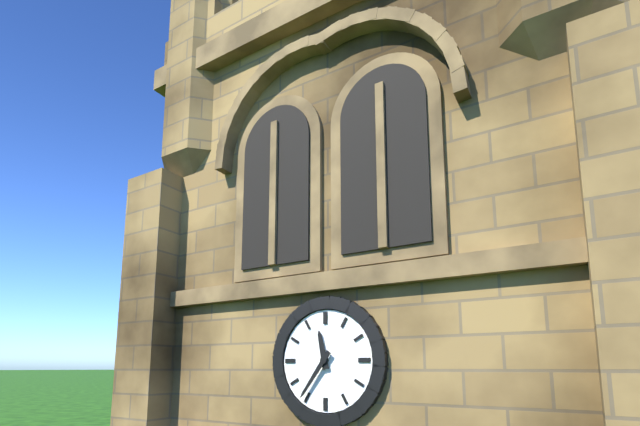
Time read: 11:36
